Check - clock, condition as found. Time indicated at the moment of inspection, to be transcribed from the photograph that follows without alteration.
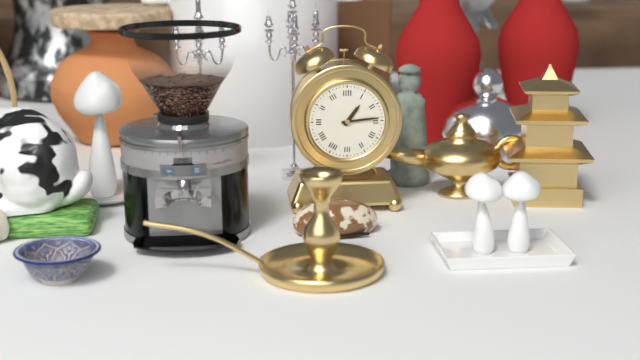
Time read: 1:14
